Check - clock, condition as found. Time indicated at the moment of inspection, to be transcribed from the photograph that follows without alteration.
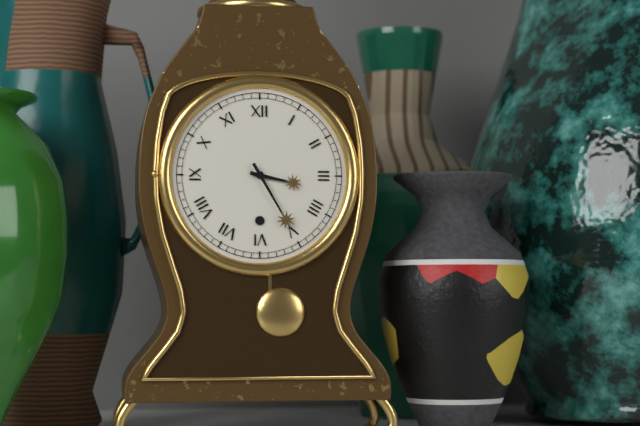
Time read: 3:25
